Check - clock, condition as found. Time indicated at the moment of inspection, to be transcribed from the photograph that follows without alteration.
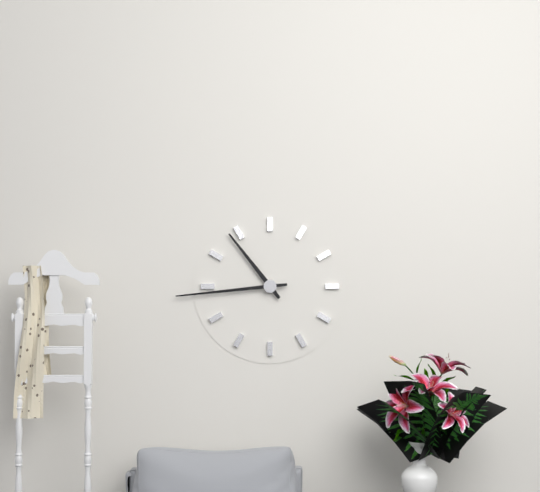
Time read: 10:44
